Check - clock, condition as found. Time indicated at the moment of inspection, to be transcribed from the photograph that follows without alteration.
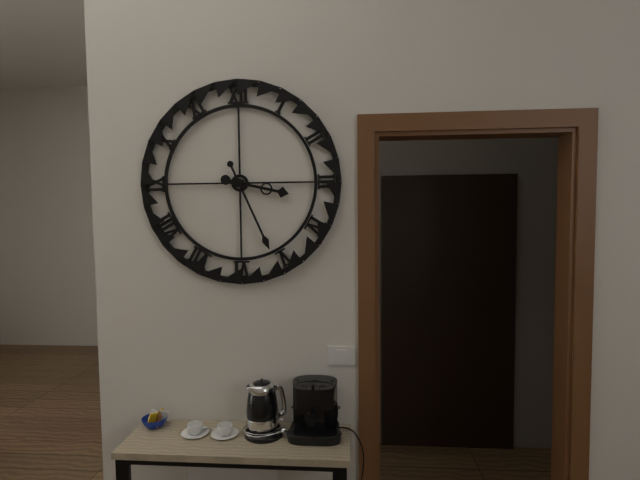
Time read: 3:26
